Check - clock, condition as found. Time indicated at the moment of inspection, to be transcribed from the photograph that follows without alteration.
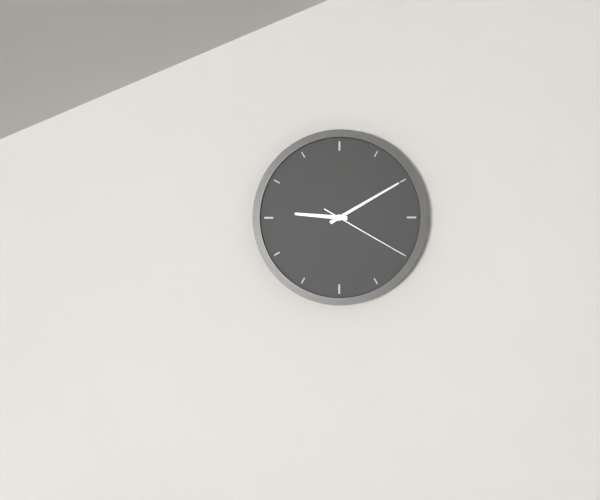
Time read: 9:10:20
